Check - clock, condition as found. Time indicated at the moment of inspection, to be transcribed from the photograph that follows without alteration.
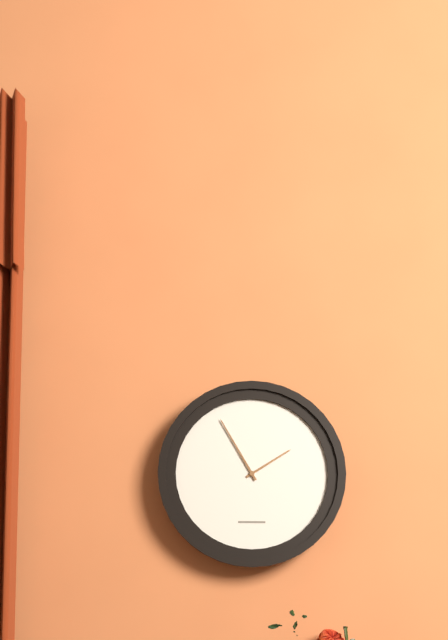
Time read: 1:55
